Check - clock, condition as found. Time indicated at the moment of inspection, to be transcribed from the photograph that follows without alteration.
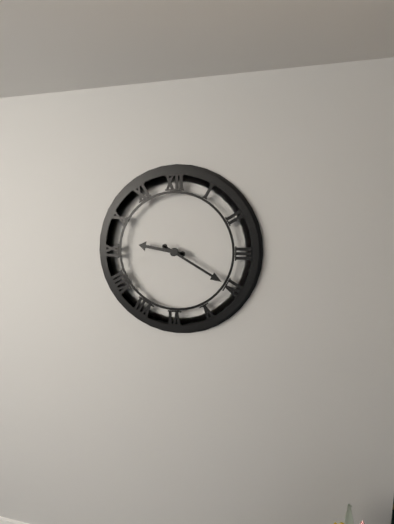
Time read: 9:20
